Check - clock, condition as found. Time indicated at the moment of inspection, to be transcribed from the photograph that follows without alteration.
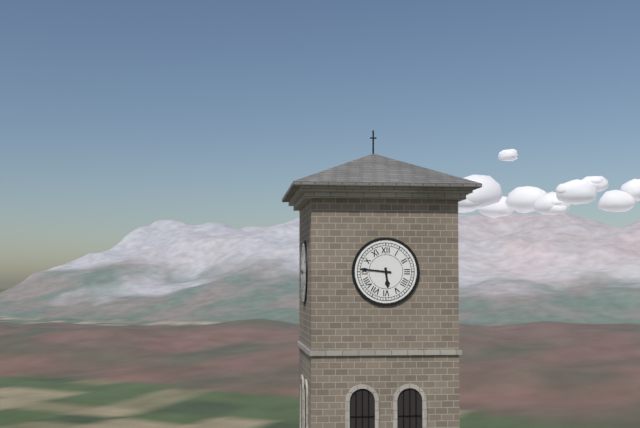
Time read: 5:46
